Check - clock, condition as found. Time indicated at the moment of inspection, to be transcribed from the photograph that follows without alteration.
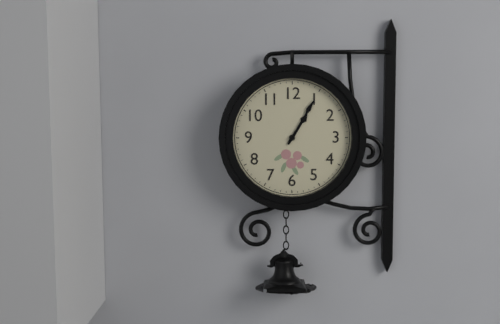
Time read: 1:05
